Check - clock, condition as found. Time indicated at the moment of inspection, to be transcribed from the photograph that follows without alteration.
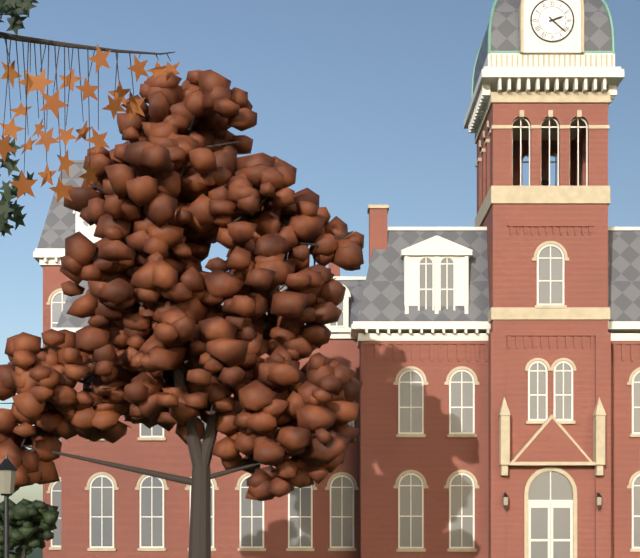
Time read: 2:22
